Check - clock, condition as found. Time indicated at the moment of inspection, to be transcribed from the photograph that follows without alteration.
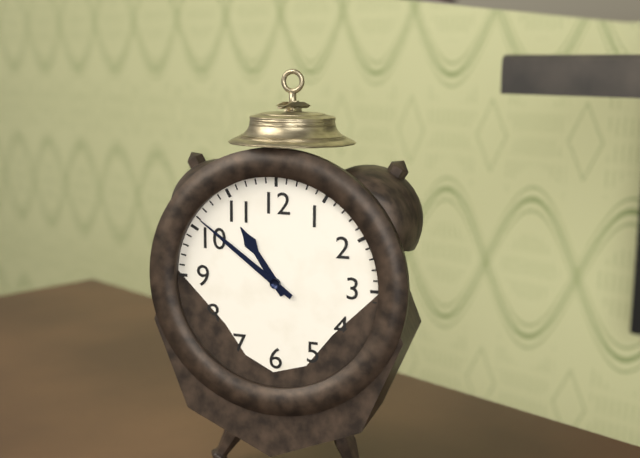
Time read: 10:51
